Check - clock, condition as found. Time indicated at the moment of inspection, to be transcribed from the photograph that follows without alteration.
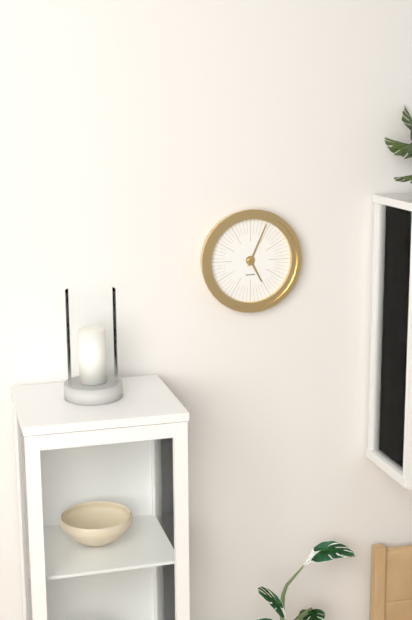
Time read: 5:04
